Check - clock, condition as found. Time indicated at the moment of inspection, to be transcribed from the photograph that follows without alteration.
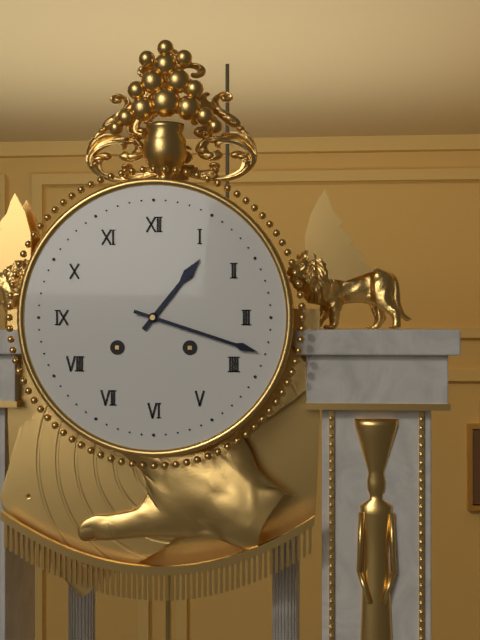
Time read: 1:18
